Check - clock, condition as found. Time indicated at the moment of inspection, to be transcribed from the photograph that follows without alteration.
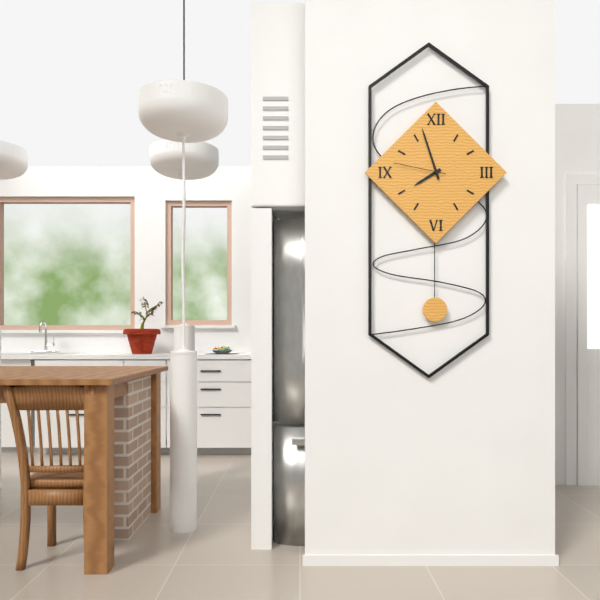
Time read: 7:57:47
